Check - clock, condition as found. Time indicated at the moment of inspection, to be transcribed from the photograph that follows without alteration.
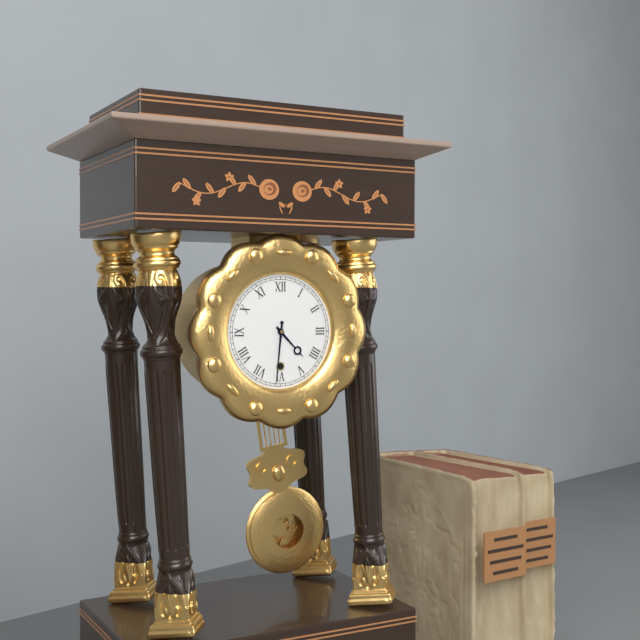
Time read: 4:31
